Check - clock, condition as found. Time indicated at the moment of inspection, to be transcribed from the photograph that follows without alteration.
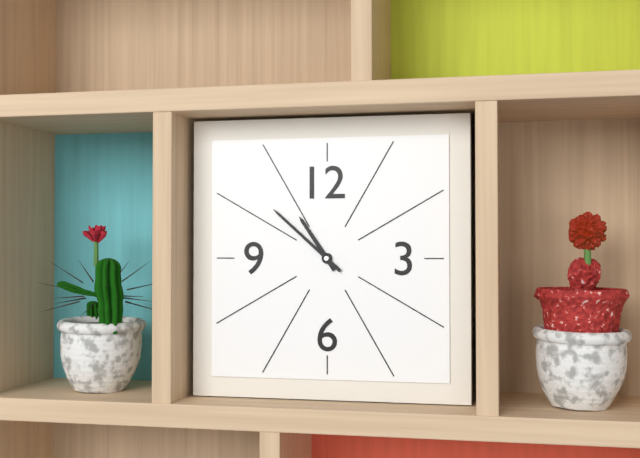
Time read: 10:52
